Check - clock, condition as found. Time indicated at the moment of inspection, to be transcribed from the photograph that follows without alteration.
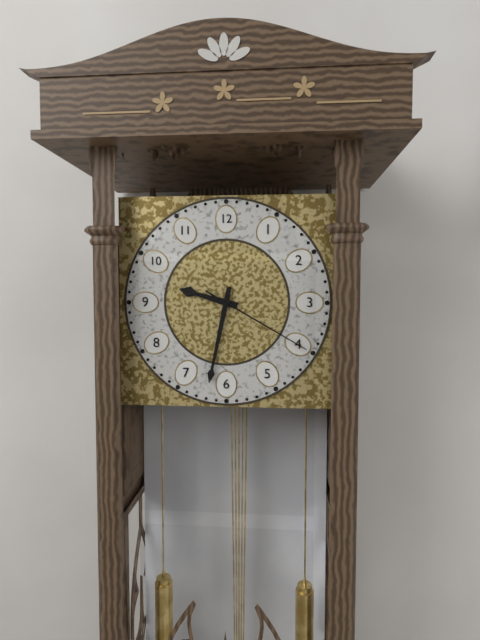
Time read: 9:32:20
